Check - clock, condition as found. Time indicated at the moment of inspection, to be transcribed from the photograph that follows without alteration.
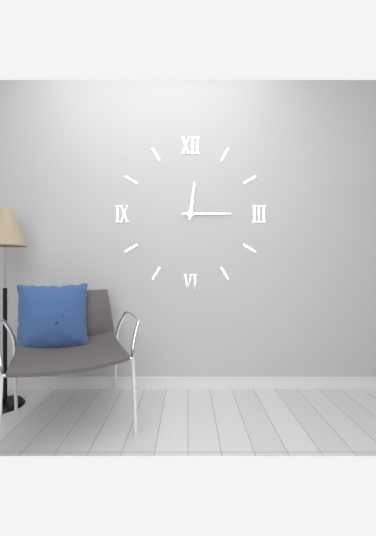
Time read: 12:15
